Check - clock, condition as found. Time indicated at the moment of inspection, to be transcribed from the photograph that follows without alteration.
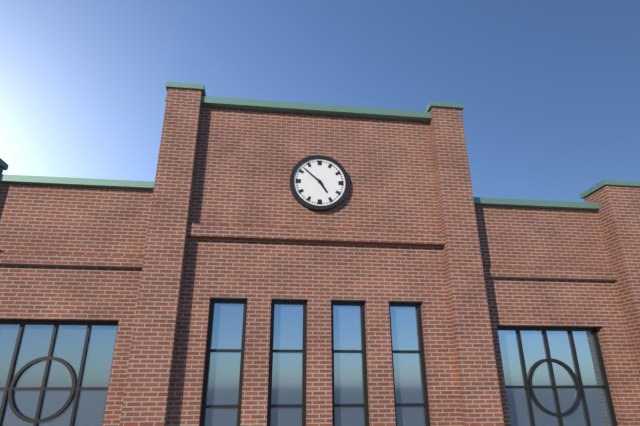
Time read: 4:52
